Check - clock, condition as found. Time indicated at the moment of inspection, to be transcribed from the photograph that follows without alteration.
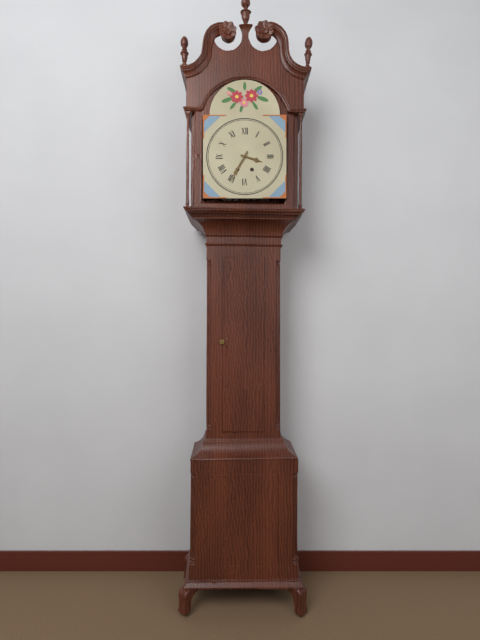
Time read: 3:35
